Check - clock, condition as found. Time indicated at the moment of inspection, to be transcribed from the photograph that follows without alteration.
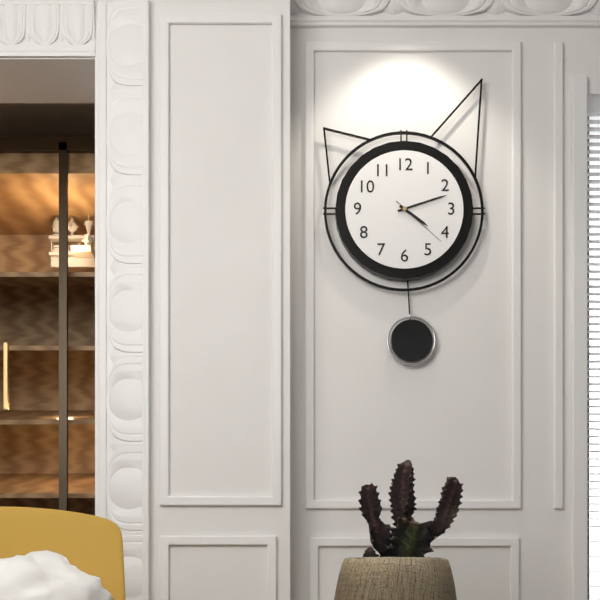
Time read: 4:12:22
